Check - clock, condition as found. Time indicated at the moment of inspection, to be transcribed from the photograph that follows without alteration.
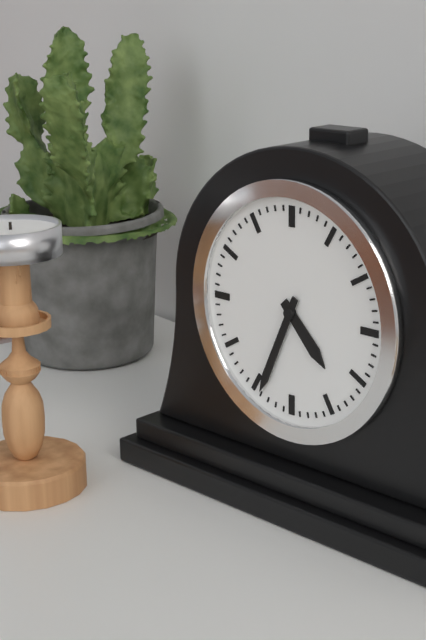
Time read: 4:34
